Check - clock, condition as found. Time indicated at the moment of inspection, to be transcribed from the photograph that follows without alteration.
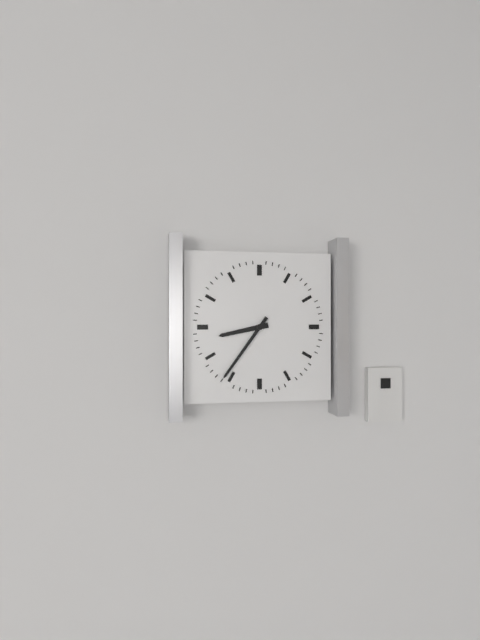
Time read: 8:36
